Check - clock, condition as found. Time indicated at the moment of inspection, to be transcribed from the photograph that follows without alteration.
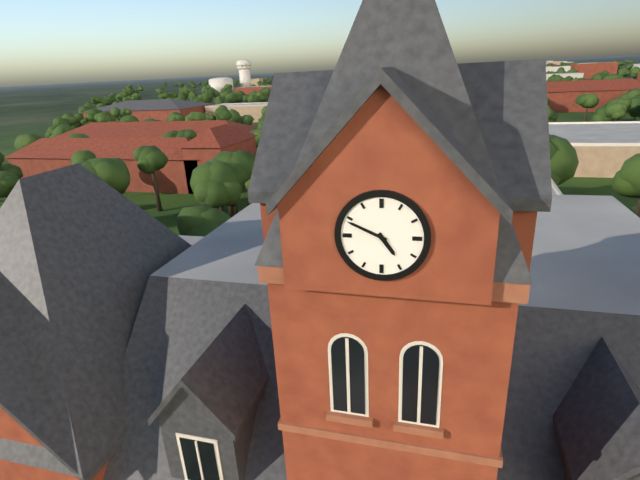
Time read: 4:49
